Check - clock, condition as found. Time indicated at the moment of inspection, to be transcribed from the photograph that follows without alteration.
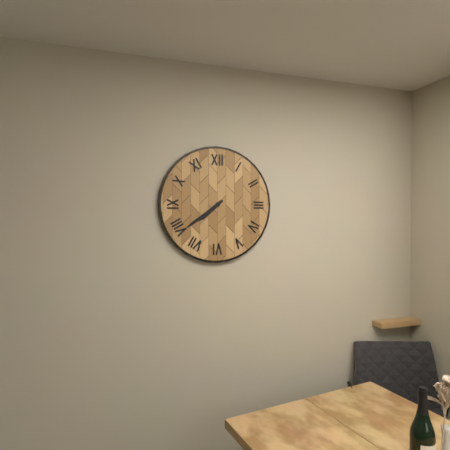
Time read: 7:39
